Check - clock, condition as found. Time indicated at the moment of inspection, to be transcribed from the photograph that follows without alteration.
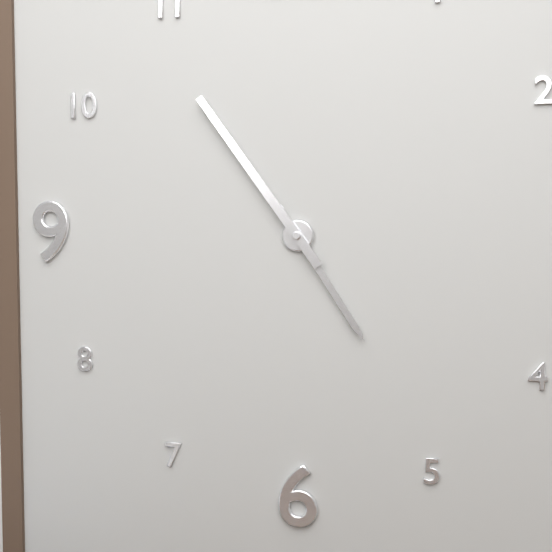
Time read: 4:54
